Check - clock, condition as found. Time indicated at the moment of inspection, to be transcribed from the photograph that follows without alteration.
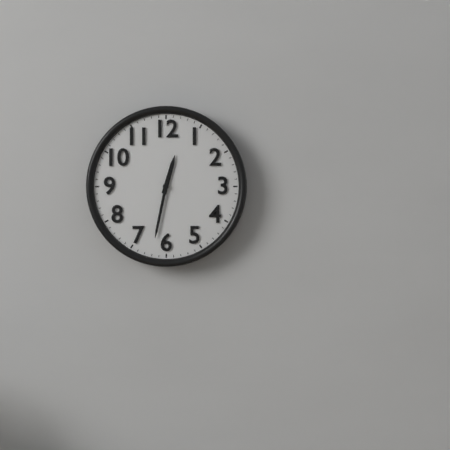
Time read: 12:32
